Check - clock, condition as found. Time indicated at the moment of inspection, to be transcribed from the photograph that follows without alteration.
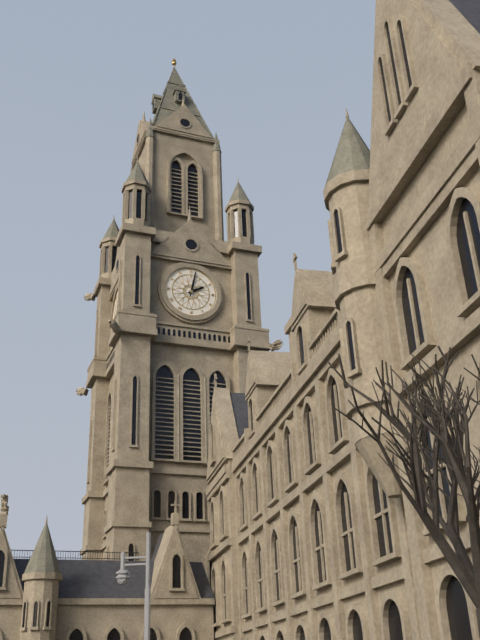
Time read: 2:02
